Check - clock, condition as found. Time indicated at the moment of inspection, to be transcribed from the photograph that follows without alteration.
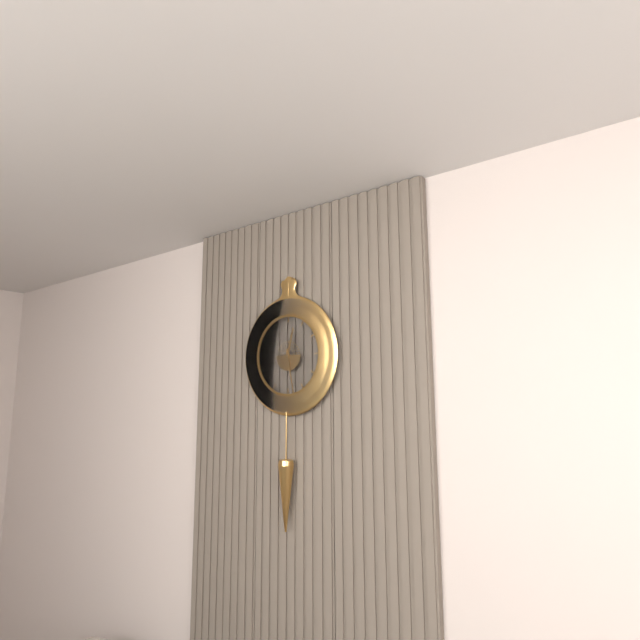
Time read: 12:28
